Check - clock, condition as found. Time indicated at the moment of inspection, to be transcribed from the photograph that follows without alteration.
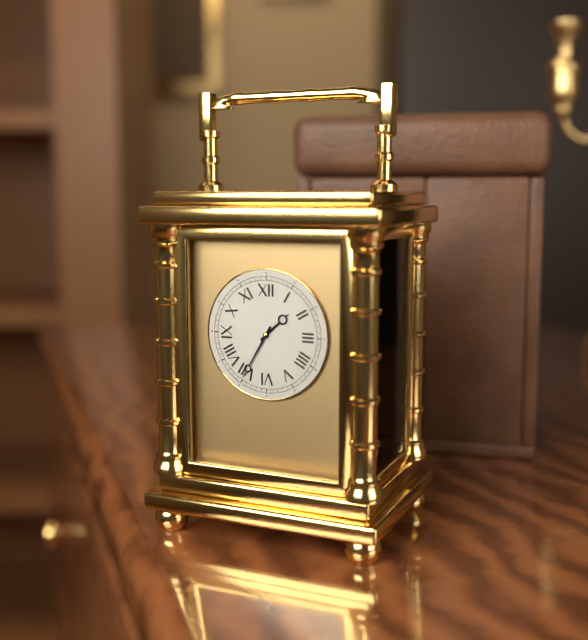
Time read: 1:35
